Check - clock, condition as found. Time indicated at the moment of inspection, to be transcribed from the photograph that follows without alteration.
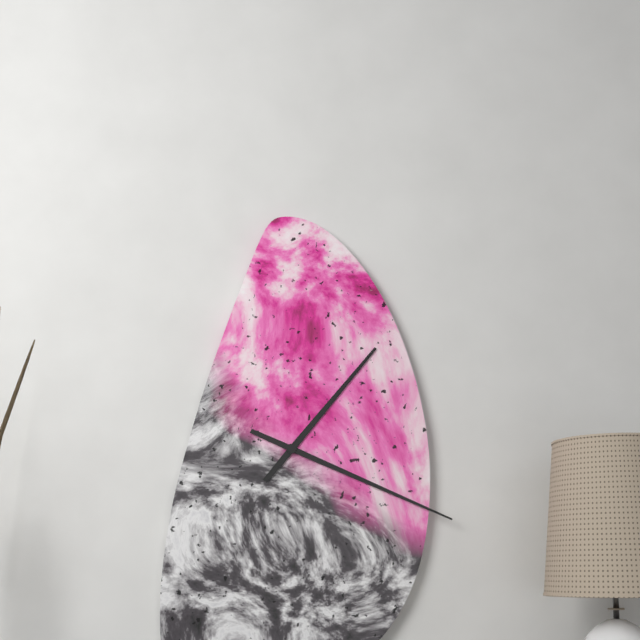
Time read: 1:19
